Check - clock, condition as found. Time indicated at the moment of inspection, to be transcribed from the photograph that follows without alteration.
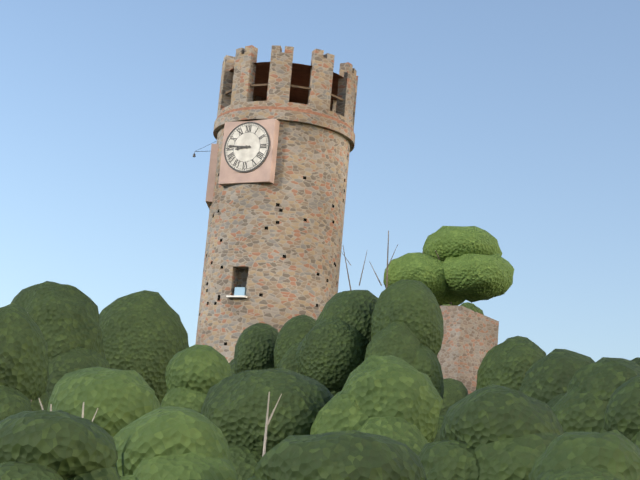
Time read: 8:46
